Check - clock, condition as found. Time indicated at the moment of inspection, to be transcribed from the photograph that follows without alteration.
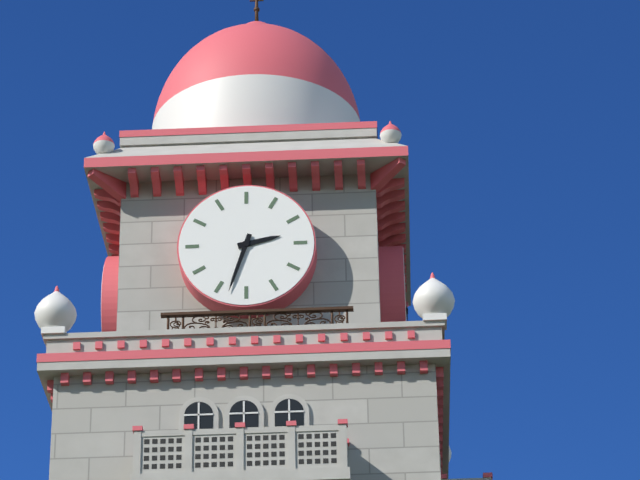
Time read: 2:33
